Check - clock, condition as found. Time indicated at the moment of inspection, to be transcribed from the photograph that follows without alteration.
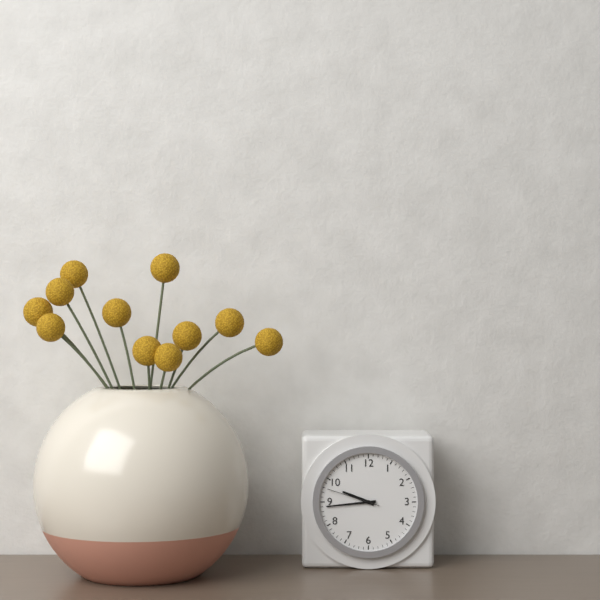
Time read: 9:44:48
